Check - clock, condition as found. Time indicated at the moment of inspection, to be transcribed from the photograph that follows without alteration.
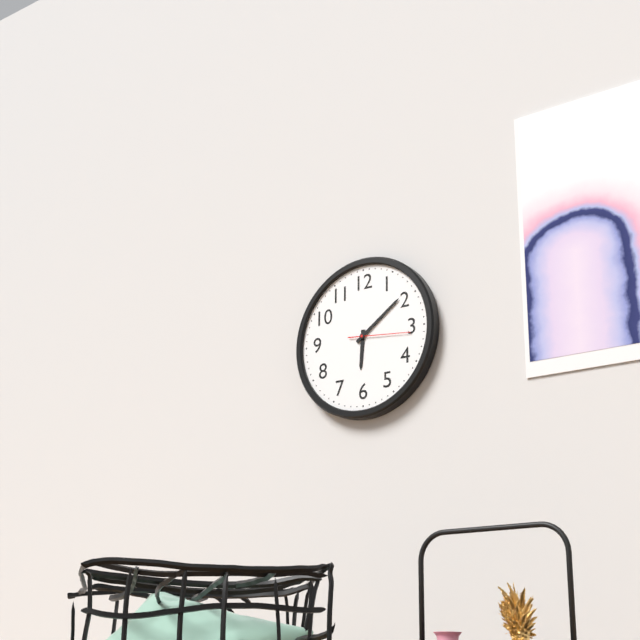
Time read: 6:09:16
